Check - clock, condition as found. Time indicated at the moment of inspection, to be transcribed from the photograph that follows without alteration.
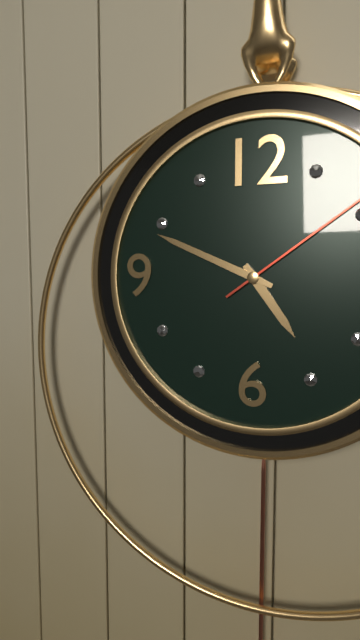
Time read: 4:49
